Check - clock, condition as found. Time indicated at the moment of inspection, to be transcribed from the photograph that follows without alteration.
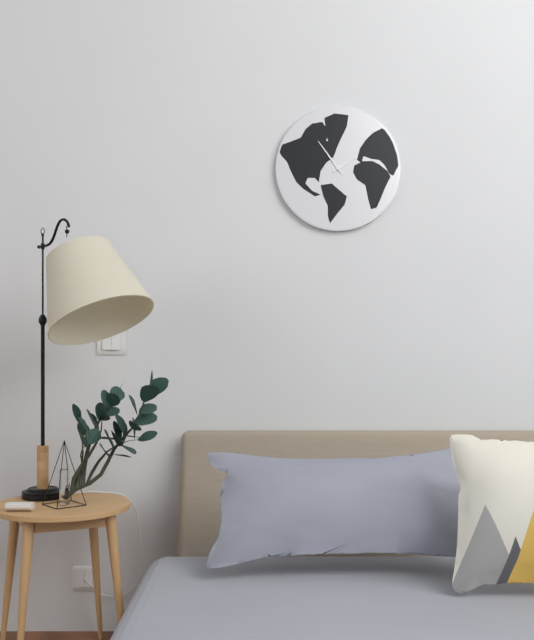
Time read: 1:54
